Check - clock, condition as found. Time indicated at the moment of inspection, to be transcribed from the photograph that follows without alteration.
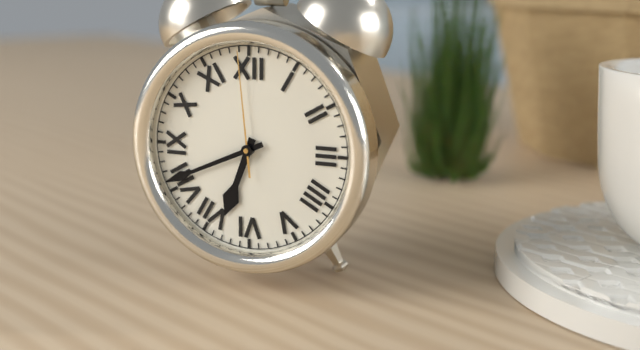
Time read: 6:41:59
